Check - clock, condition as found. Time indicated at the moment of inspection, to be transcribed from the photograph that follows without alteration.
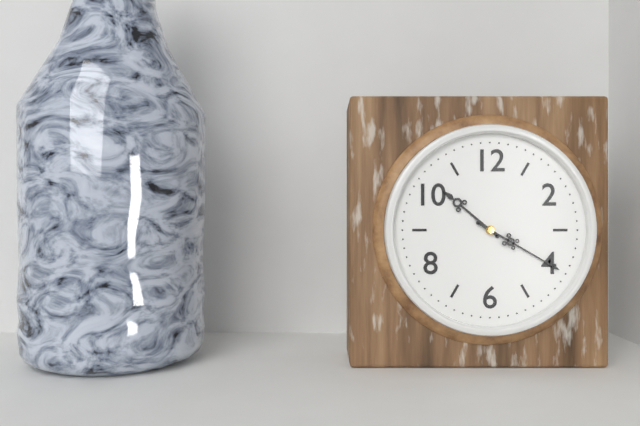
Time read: 10:20
